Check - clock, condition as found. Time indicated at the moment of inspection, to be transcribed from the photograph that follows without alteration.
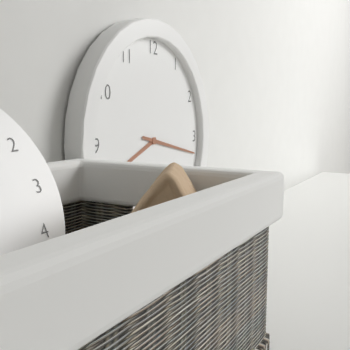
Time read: 8:17
